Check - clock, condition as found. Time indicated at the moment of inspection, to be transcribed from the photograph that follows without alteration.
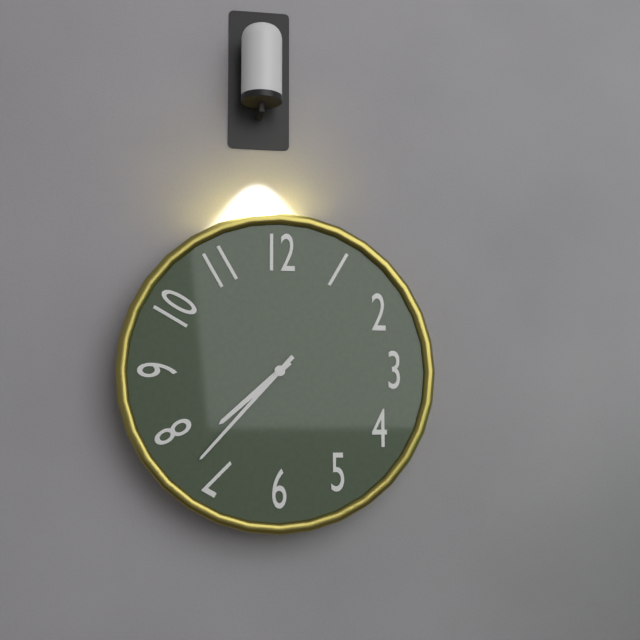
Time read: 7:37
